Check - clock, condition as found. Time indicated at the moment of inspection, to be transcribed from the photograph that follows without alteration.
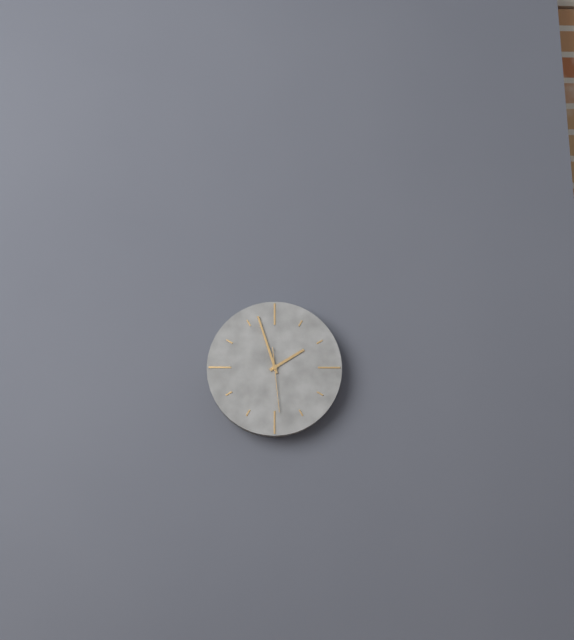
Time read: 1:57:29
